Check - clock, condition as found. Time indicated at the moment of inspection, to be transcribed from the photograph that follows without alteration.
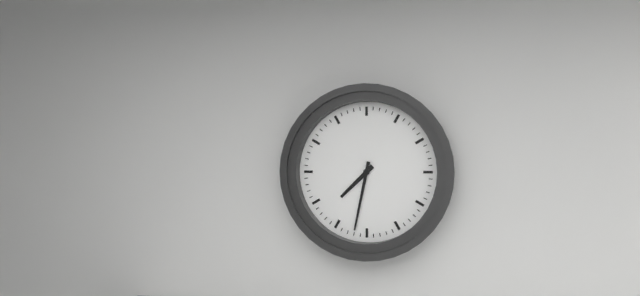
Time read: 7:32
